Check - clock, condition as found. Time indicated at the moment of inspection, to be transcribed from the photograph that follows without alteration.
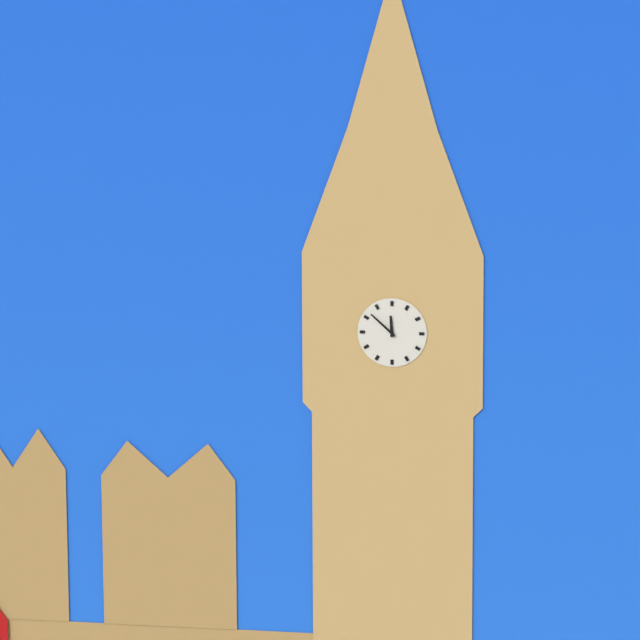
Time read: 11:52
